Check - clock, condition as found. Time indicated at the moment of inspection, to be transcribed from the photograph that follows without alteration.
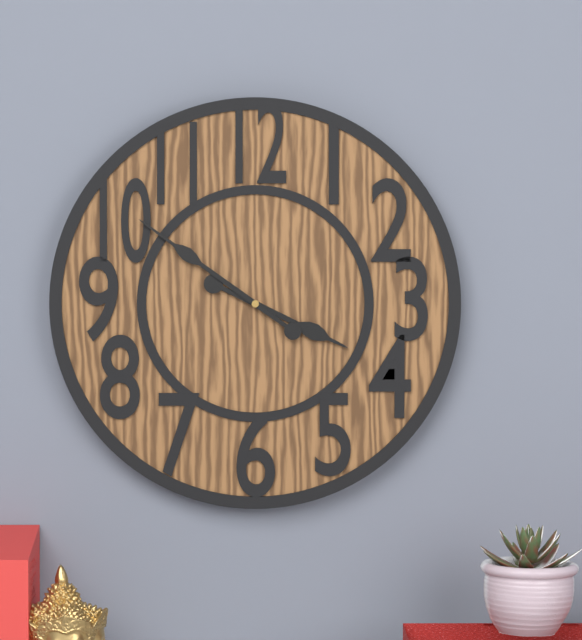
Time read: 3:51
